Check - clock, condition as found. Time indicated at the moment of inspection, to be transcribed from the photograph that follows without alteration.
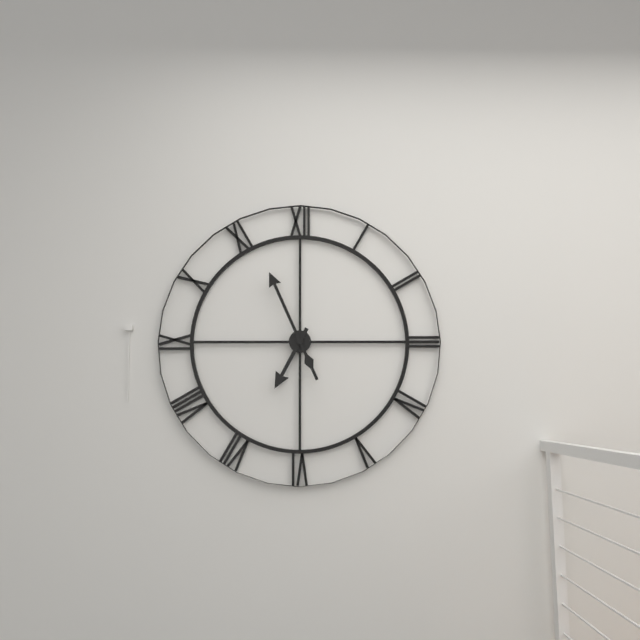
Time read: 6:56
